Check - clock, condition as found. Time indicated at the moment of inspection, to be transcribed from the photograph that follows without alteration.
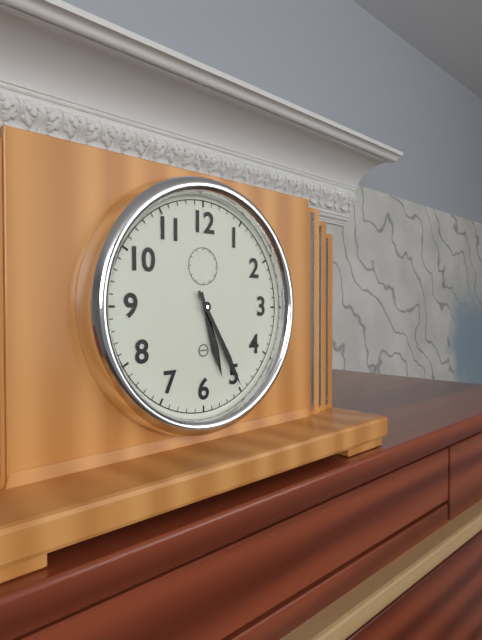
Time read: 5:25
